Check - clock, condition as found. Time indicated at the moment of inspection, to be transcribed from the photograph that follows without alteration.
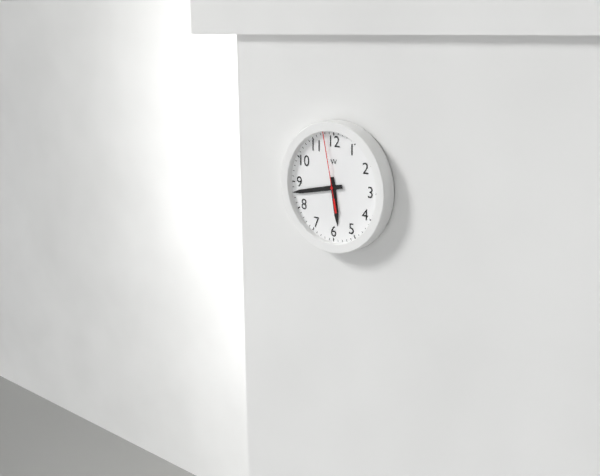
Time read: 5:43:58
